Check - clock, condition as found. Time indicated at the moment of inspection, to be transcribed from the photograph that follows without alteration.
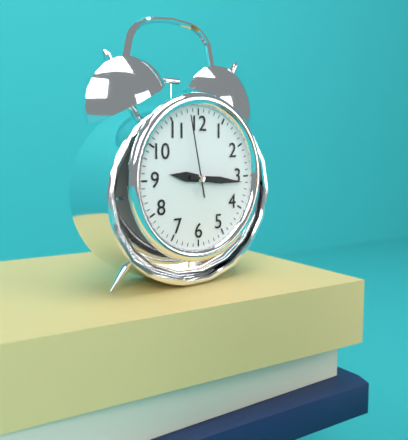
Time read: 9:16:58
